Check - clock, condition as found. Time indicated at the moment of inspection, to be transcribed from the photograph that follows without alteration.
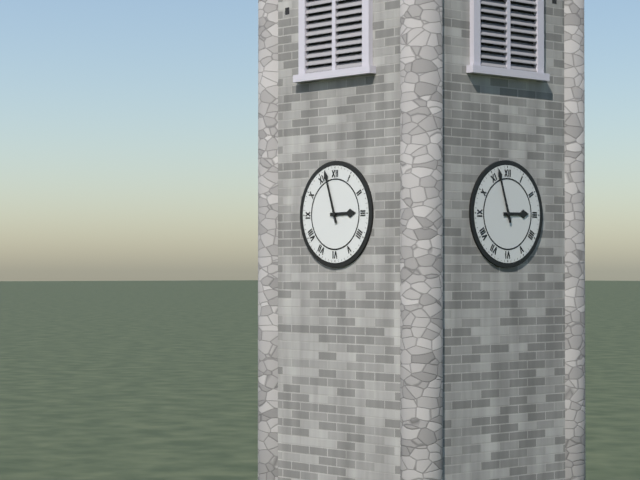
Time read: 2:57
